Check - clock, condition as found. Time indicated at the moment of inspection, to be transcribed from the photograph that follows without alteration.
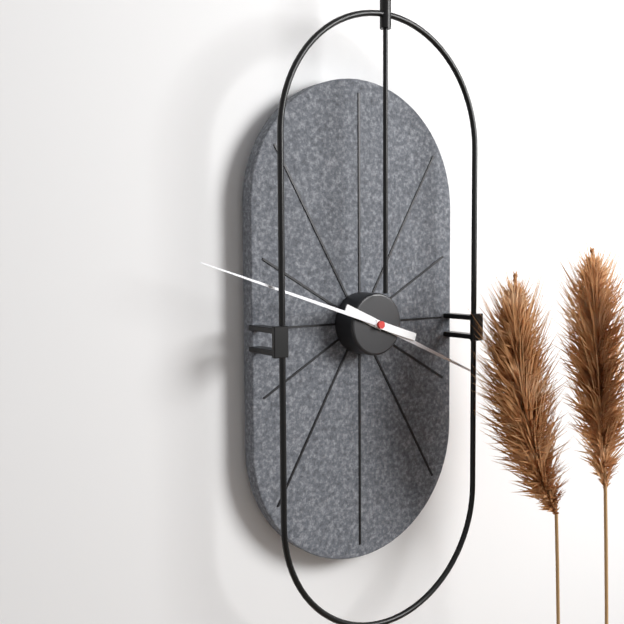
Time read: 3:48
